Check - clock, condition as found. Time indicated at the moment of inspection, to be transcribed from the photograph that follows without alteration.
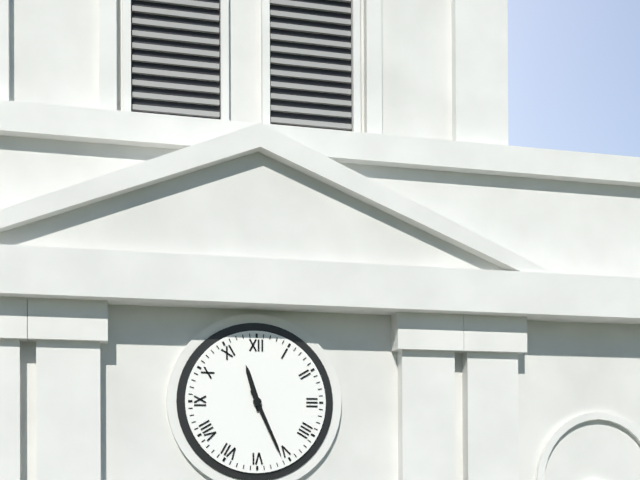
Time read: 11:26
